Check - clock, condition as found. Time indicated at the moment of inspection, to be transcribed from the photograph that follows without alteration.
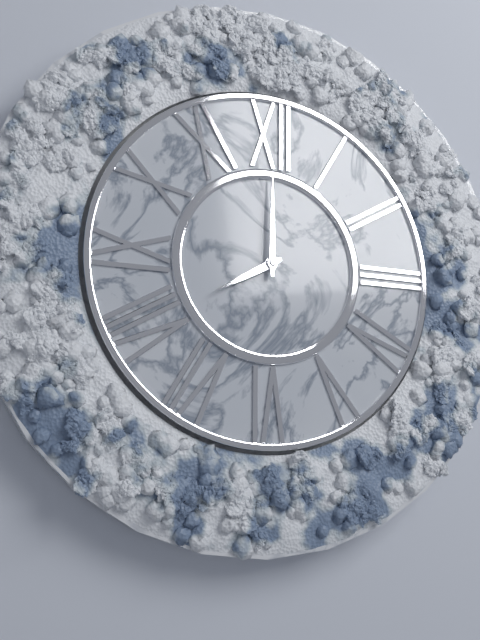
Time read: 8:00
